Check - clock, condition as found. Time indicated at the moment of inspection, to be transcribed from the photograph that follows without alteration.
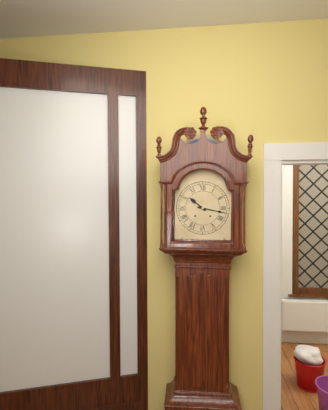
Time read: 10:17
